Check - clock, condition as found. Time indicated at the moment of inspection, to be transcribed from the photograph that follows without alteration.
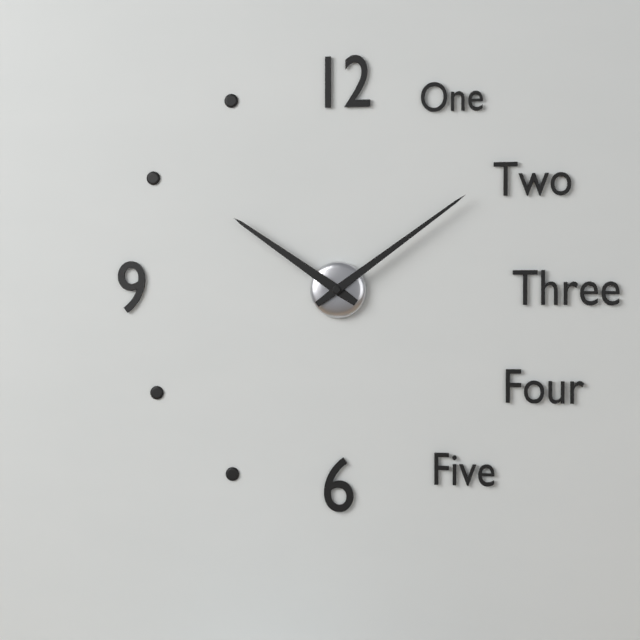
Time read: 10:09
